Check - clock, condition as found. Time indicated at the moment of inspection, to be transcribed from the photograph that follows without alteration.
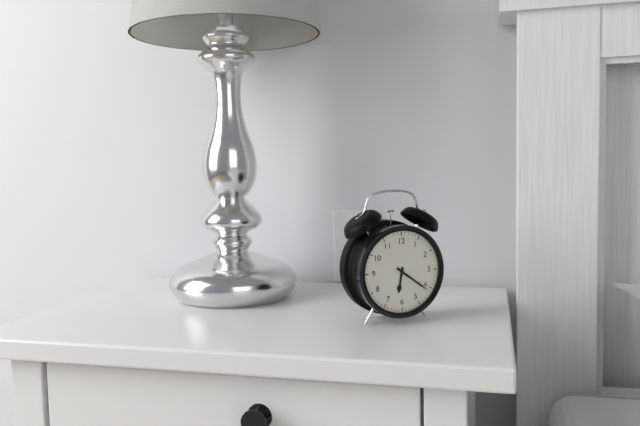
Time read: 6:21
